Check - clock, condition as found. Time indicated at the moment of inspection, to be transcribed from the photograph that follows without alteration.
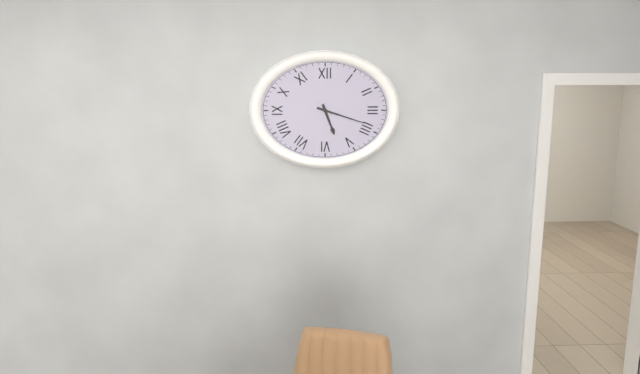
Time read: 5:18
